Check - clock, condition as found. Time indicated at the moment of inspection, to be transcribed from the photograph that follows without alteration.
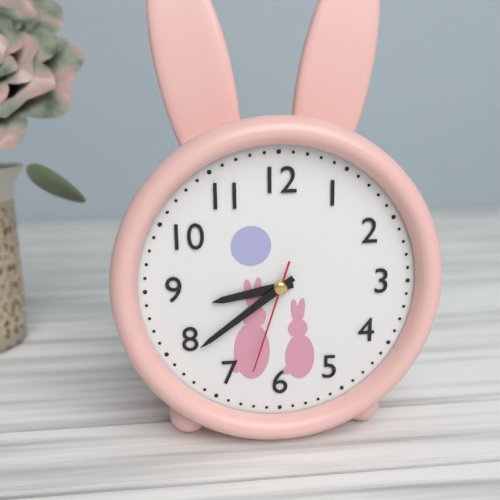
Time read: 8:39:33
